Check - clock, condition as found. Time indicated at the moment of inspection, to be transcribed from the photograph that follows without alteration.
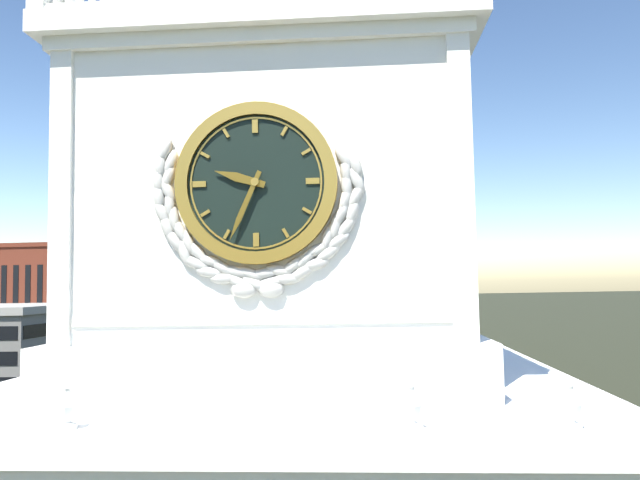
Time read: 9:34
